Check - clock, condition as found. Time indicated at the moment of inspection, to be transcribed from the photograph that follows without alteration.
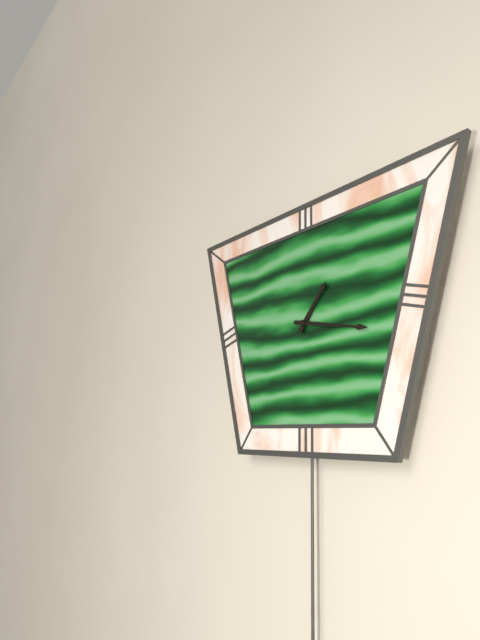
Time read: 1:17
